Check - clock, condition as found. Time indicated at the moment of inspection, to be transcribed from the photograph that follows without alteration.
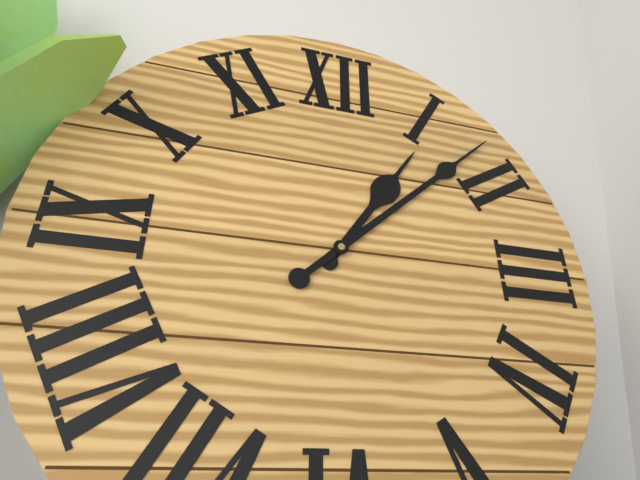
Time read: 1:08
